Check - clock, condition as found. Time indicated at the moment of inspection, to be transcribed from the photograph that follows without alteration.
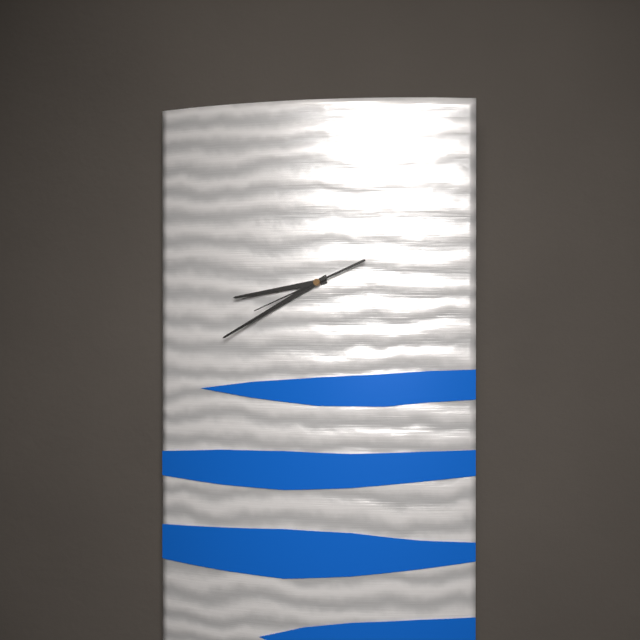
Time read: 8:40:41
